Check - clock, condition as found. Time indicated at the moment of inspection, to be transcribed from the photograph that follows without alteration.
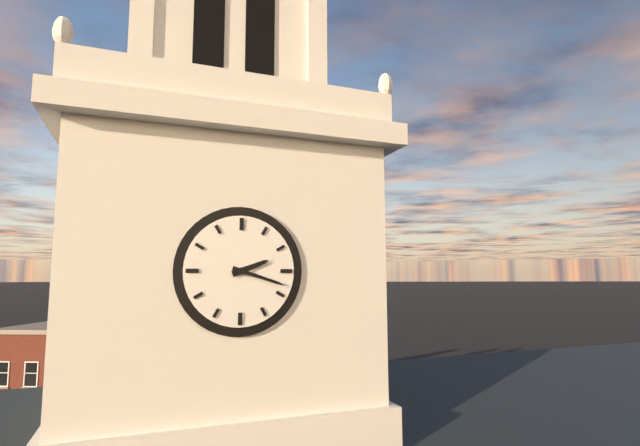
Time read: 2:18
